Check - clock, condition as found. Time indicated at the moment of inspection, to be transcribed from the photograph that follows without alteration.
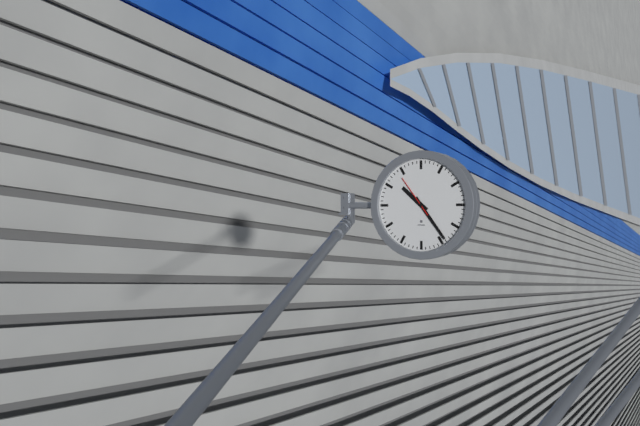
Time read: 10:24
